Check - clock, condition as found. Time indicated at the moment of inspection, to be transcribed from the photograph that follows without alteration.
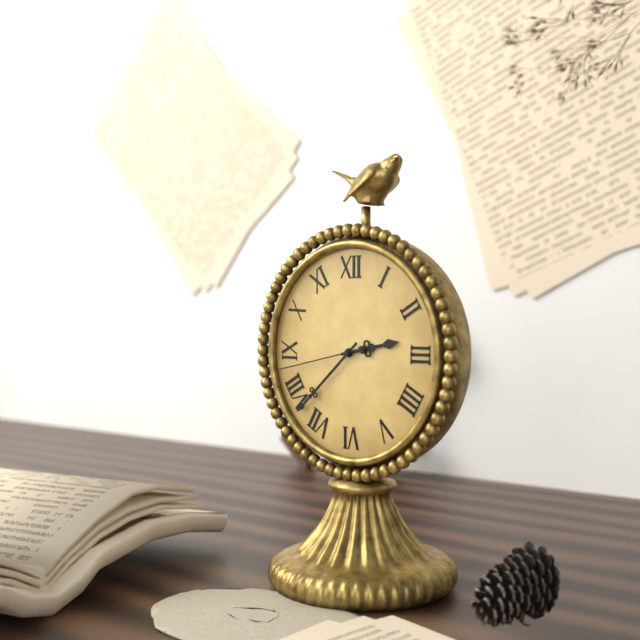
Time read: 2:38:43
